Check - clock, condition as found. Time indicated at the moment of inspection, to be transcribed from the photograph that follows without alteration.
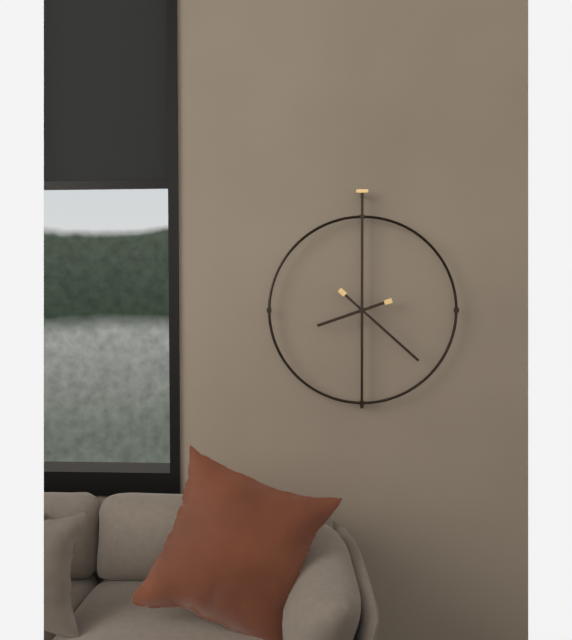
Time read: 8:22
